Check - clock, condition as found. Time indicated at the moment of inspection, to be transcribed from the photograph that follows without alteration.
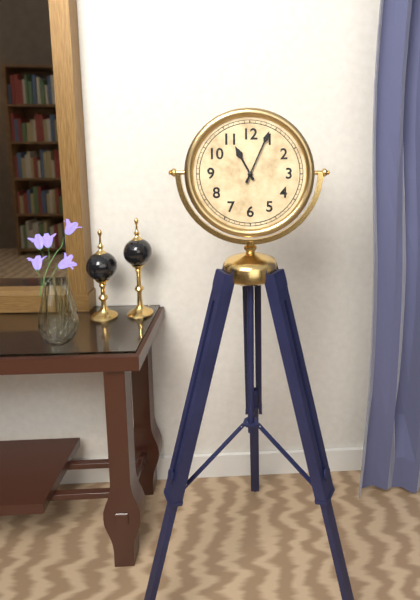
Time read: 11:04
